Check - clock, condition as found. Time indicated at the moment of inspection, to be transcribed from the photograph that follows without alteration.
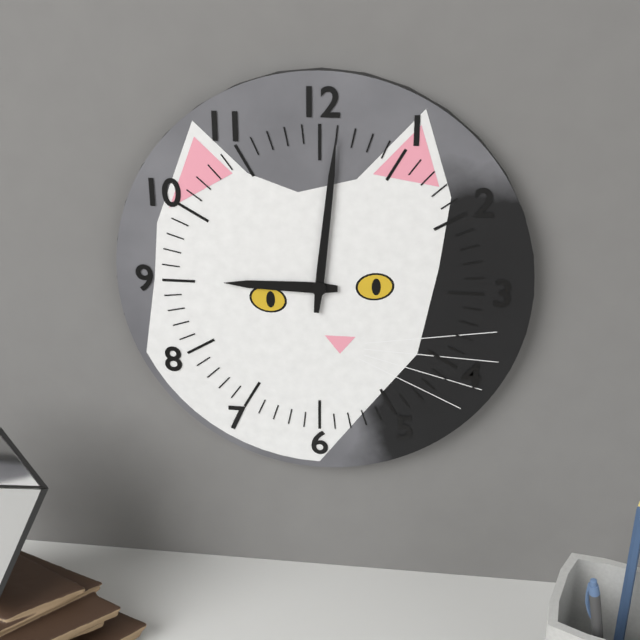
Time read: 9:01
